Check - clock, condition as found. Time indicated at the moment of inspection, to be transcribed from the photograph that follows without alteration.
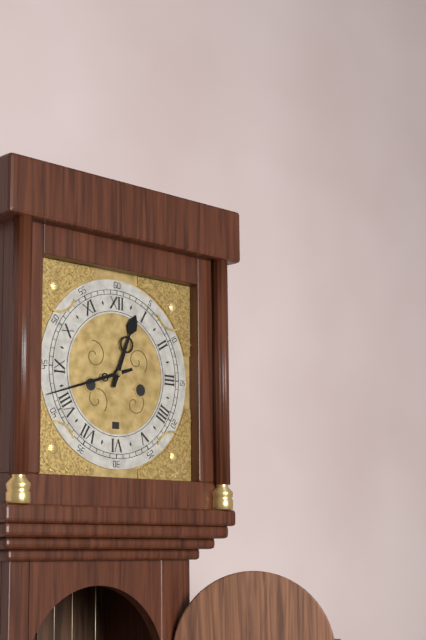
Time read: 12:42
